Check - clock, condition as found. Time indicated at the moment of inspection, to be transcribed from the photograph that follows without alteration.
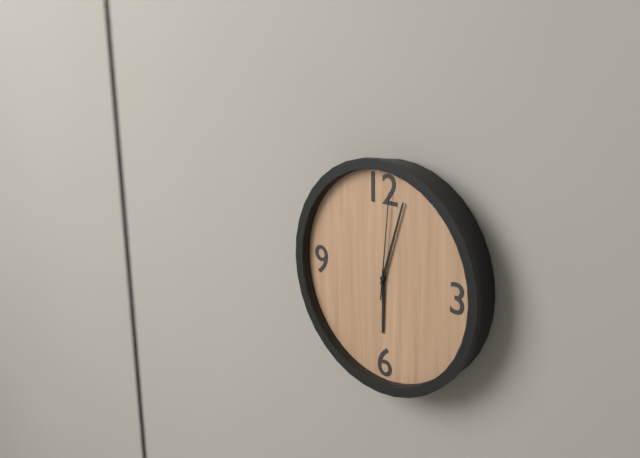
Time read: 6:03:01
